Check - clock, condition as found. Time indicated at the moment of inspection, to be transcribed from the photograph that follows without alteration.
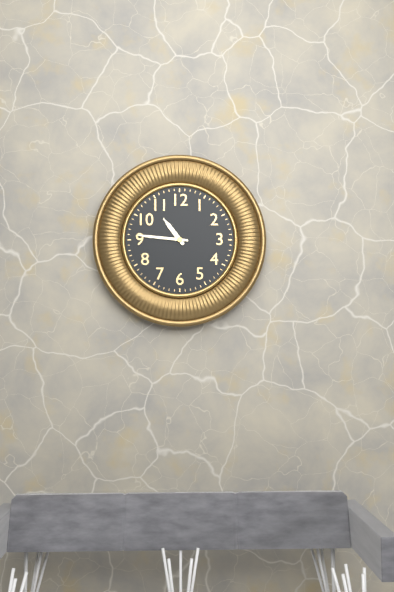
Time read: 10:46
